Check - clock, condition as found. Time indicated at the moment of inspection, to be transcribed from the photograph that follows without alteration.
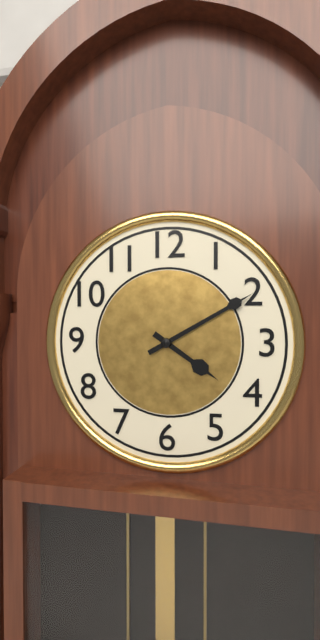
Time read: 4:10
